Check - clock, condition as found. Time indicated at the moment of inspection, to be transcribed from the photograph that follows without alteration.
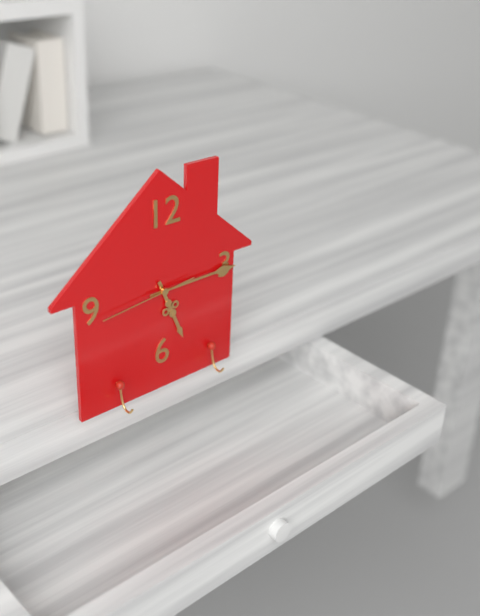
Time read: 5:15:44
